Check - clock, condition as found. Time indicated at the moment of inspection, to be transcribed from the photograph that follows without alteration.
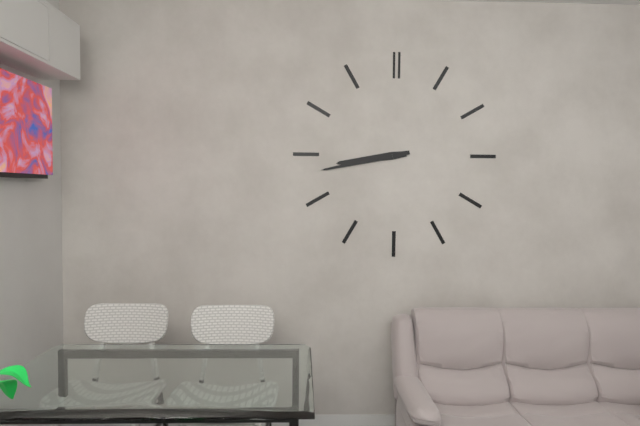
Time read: 8:43
